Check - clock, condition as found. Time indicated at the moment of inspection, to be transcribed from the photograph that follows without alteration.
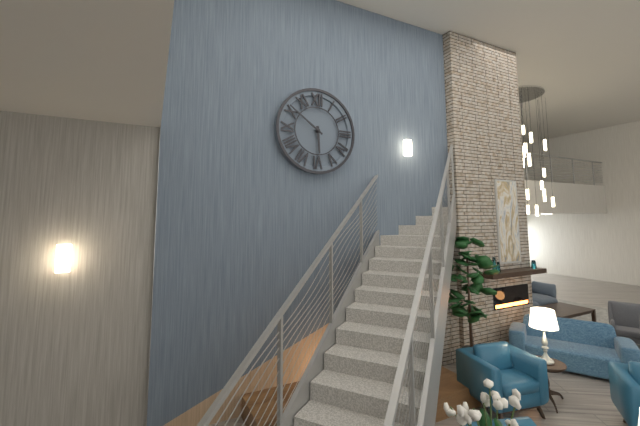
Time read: 5:51
